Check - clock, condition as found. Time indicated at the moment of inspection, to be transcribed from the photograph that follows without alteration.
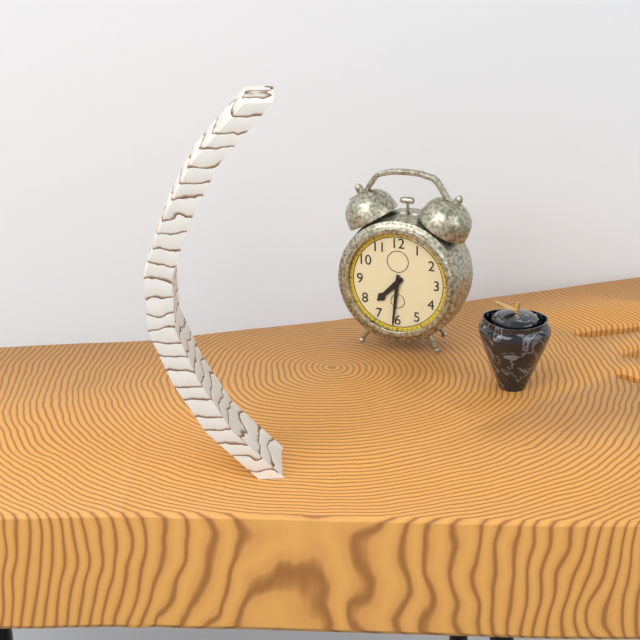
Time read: 7:31
